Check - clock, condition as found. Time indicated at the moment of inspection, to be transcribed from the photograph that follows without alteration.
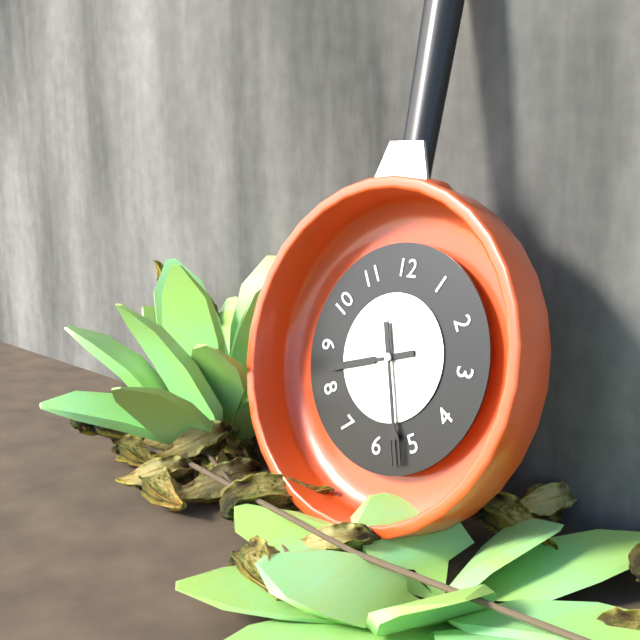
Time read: 8:27
